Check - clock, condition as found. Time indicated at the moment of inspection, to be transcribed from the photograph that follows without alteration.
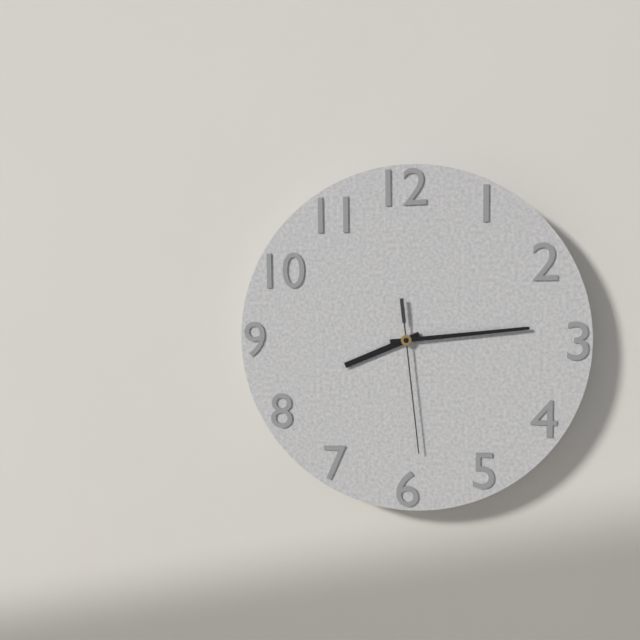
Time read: 8:14:29
